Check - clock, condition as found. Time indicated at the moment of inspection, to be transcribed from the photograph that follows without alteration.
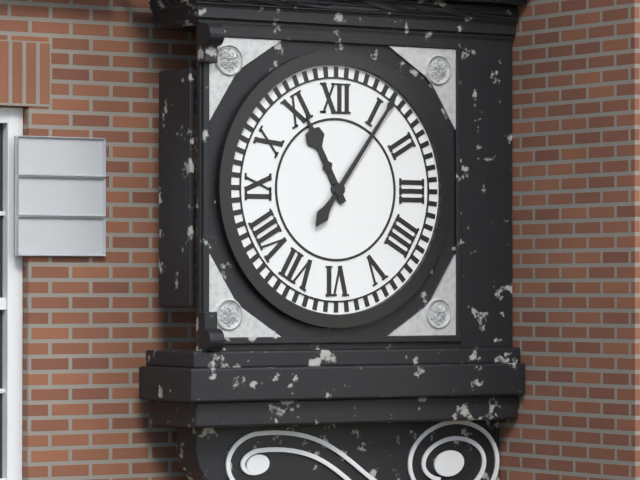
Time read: 11:06
